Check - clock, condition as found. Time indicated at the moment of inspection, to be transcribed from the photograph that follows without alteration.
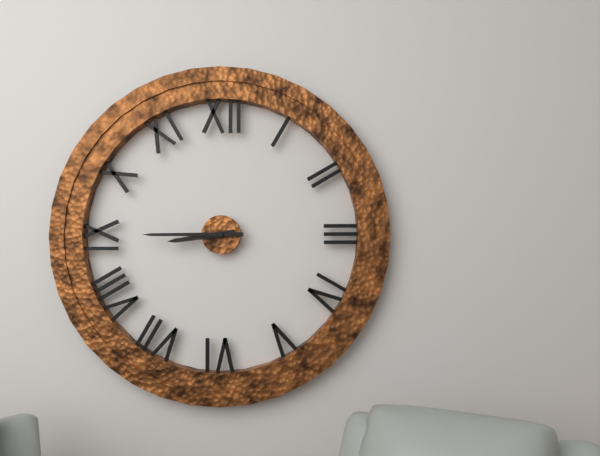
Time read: 8:45
